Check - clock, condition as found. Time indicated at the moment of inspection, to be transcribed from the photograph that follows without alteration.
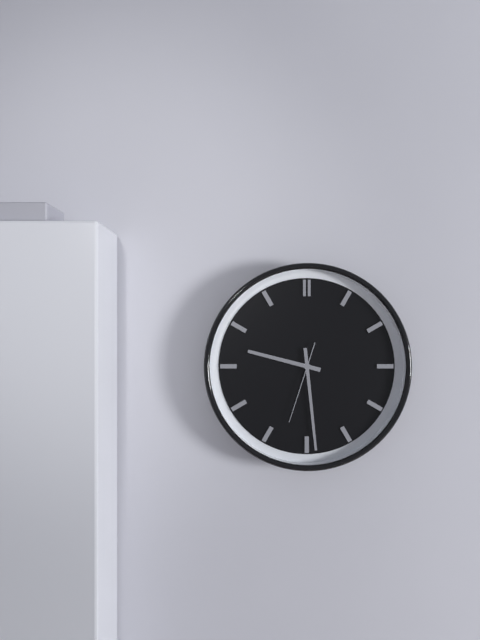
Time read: 9:29:33
